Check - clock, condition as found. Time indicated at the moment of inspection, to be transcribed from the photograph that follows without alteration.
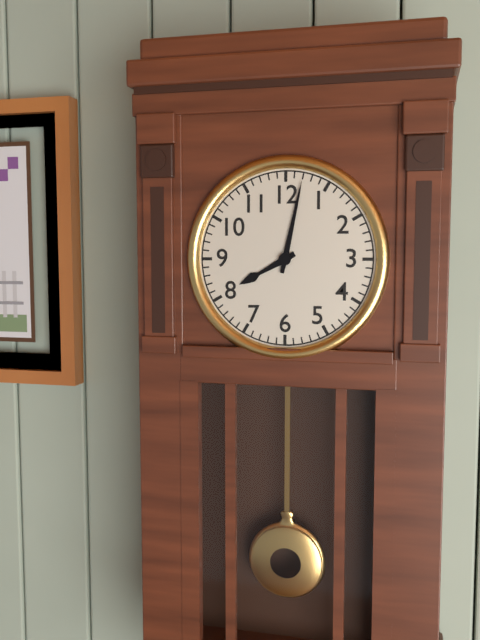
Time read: 8:02
